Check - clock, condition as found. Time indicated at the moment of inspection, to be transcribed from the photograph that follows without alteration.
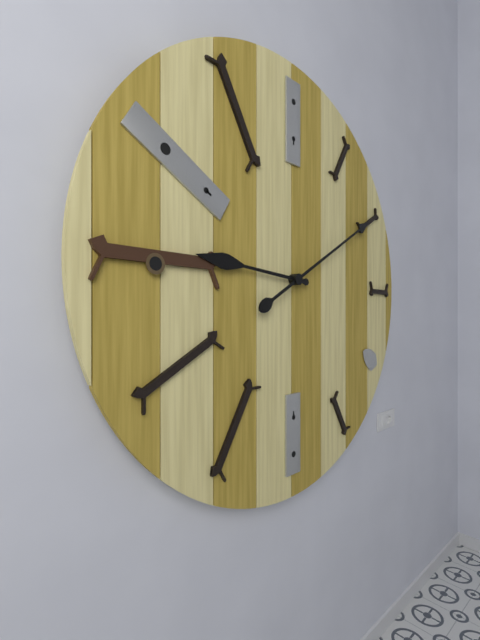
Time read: 9:10
